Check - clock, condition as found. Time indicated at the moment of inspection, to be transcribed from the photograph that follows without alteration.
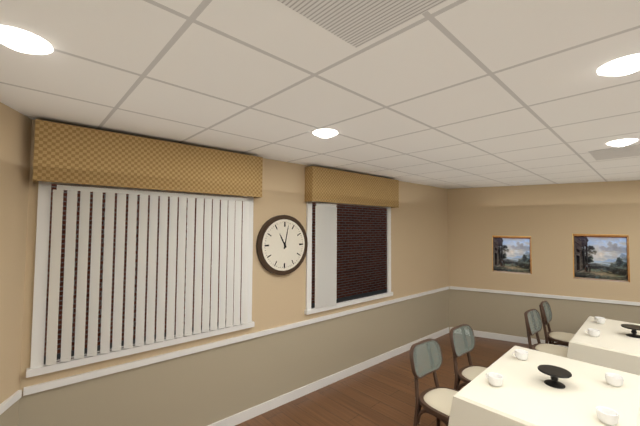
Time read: 11:02
